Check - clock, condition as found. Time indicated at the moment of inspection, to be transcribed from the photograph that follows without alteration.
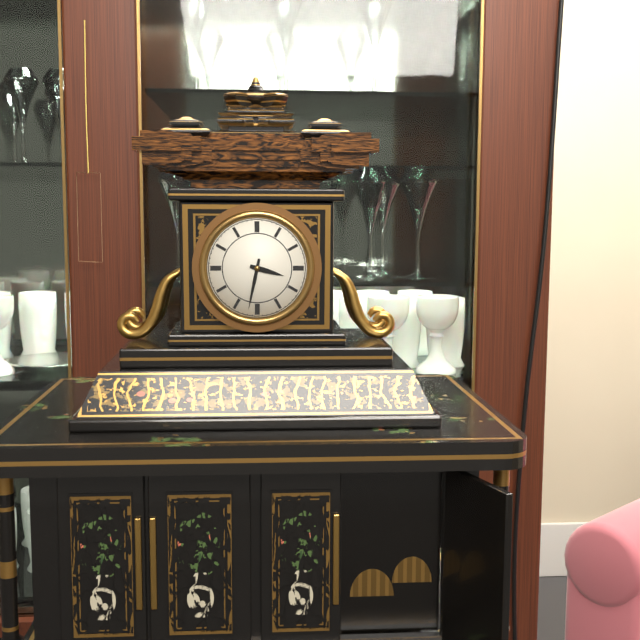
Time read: 3:32
